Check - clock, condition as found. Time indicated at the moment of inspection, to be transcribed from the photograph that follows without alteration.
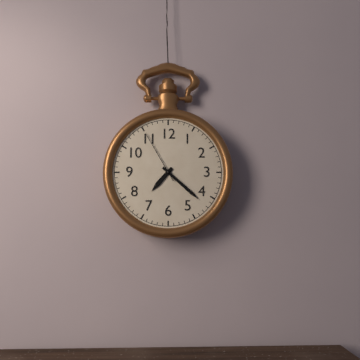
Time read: 7:22:55
